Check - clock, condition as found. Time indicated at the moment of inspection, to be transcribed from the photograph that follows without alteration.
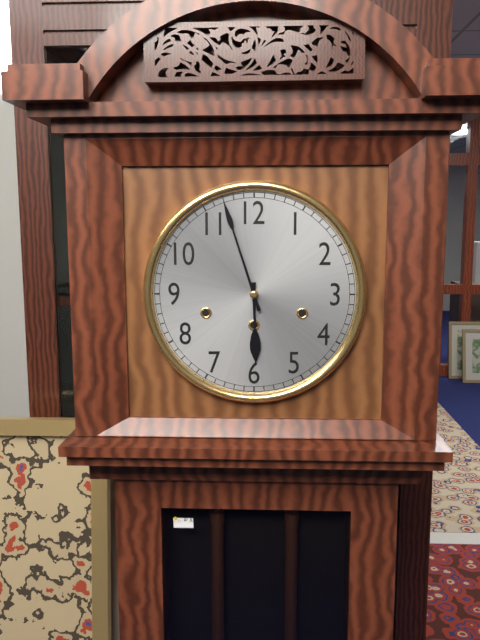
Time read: 5:57
